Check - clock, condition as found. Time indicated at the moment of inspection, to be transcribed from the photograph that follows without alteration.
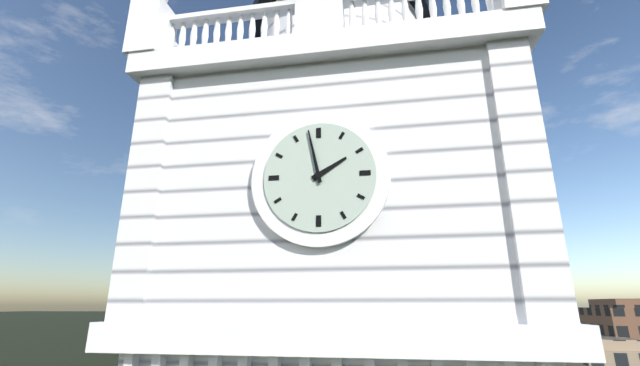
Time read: 1:58
